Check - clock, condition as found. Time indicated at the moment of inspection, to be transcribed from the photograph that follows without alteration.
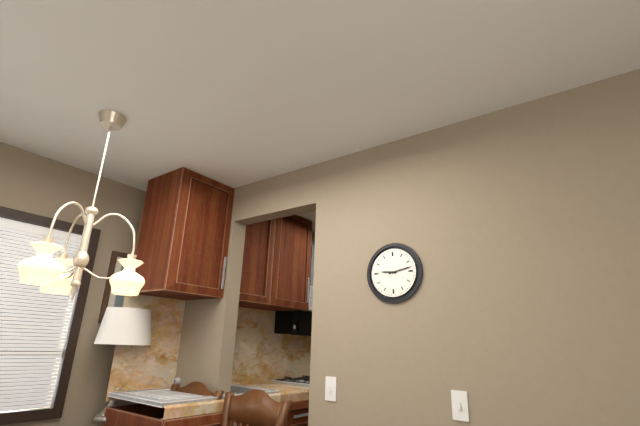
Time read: 9:13
